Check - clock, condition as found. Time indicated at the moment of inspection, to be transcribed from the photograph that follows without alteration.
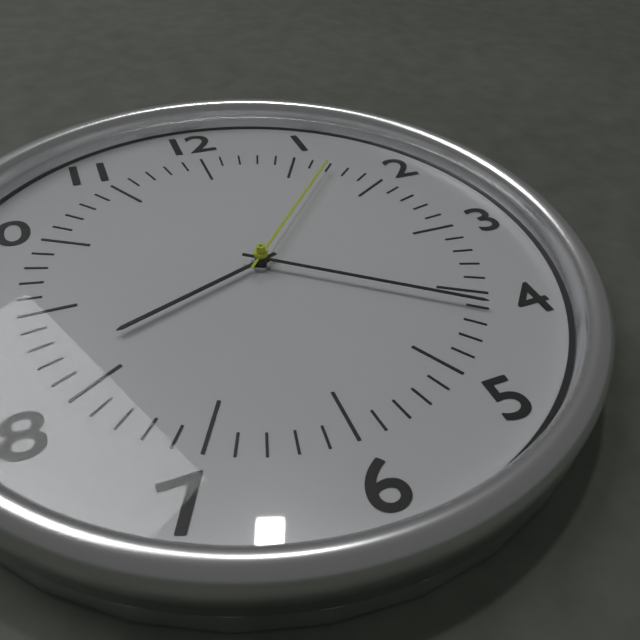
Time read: 8:21:07
